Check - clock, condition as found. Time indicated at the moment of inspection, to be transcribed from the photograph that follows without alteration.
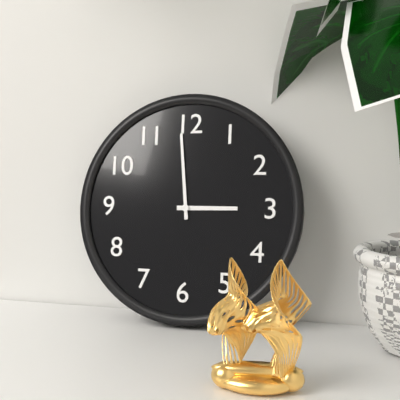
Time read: 2:59
